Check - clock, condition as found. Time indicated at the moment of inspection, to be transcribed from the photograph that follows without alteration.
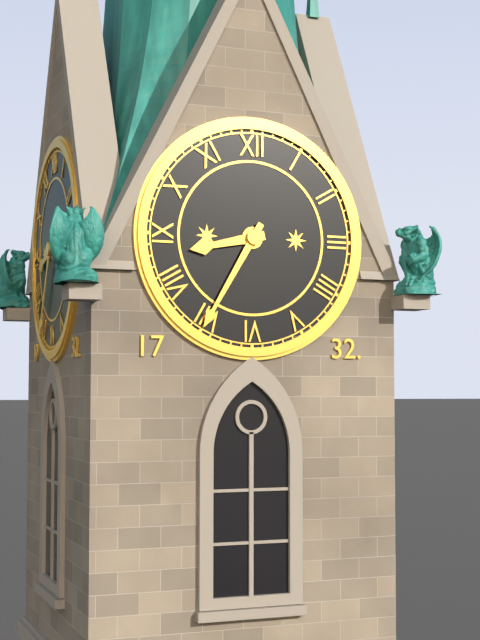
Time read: 8:35
